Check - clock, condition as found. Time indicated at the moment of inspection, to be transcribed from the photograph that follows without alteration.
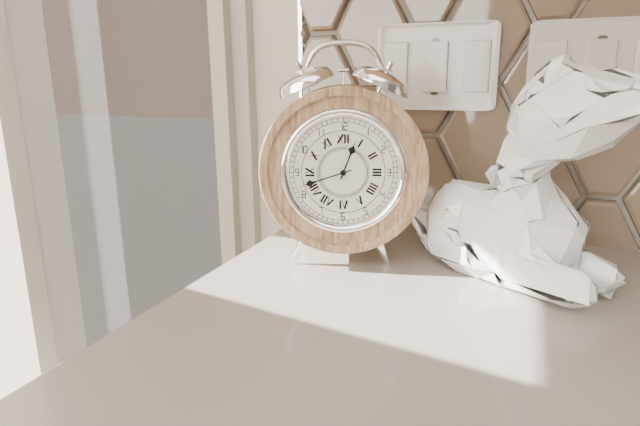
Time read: 12:42
